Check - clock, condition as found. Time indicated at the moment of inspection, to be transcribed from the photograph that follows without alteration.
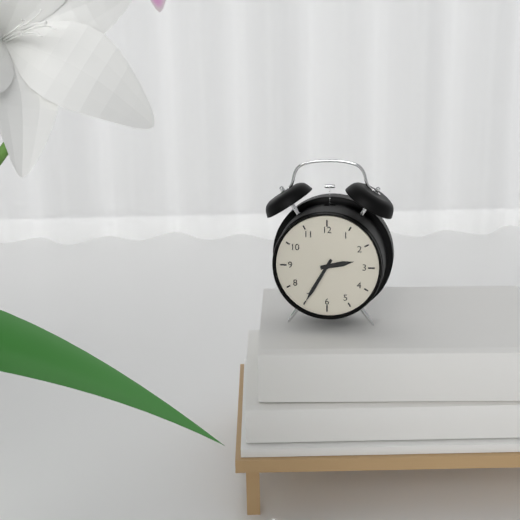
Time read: 2:35
